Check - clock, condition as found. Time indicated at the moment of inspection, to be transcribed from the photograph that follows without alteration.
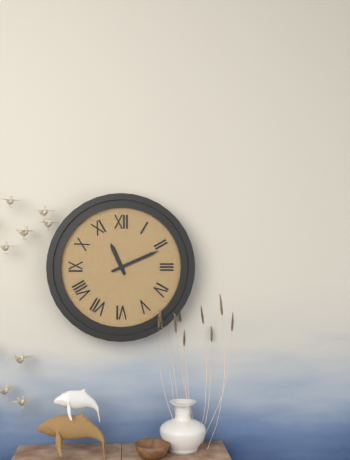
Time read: 11:11
